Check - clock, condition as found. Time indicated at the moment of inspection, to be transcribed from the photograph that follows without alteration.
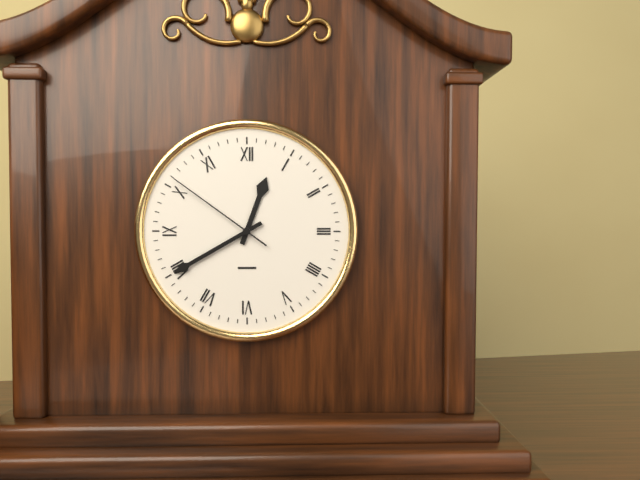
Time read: 12:40:51
